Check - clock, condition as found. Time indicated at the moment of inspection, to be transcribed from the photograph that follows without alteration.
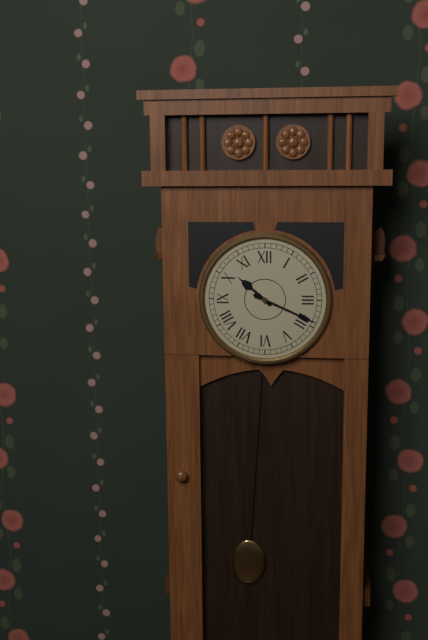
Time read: 10:19
